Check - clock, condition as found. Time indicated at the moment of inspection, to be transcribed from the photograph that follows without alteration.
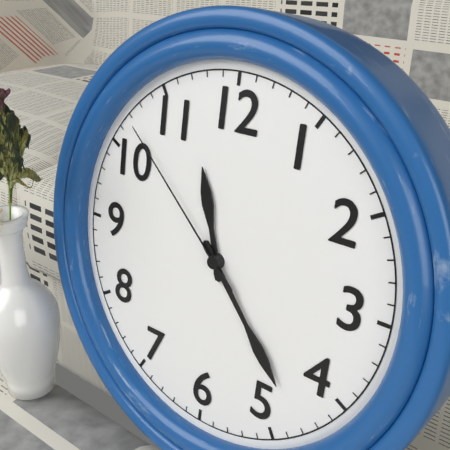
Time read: 11:23:52
